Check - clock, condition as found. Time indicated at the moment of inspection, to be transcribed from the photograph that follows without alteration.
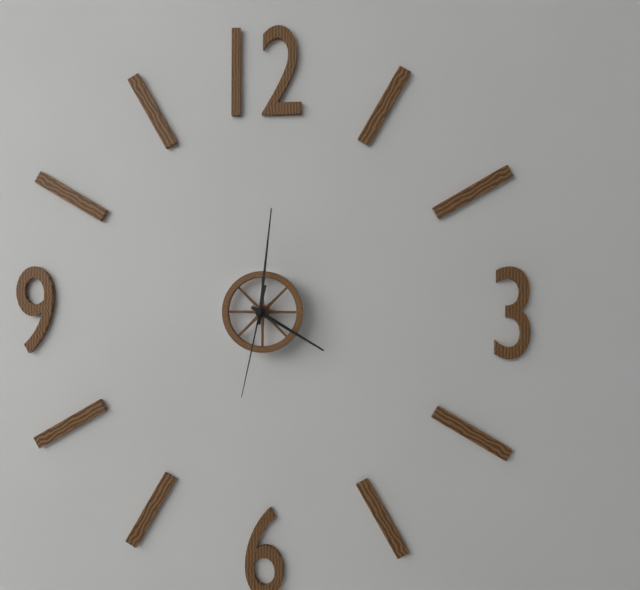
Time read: 4:01:32
